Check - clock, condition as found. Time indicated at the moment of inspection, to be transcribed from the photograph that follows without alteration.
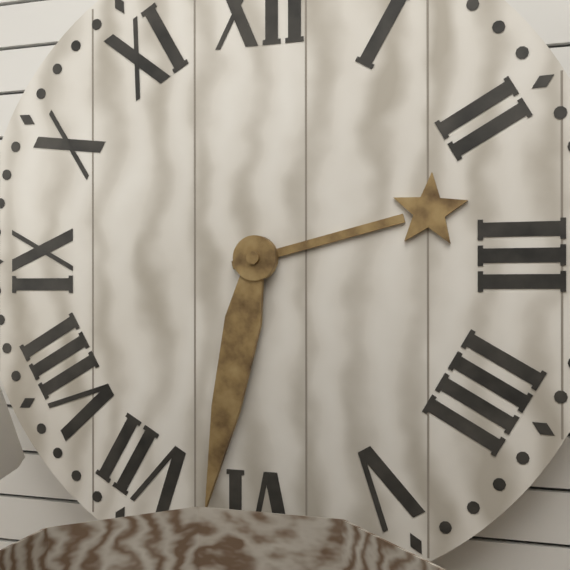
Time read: 2:32
